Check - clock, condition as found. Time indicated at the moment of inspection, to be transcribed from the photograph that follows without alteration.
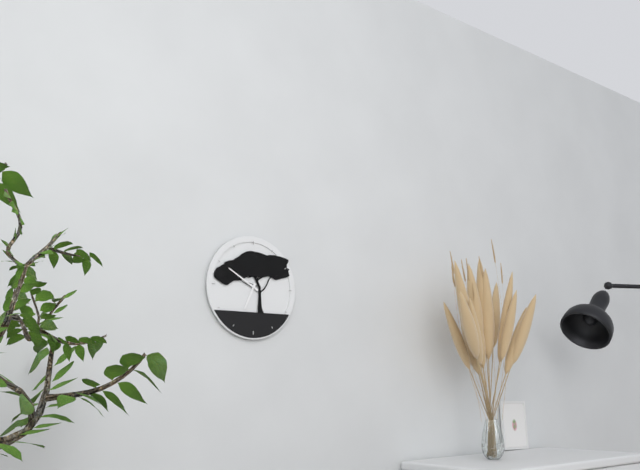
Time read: 6:50
